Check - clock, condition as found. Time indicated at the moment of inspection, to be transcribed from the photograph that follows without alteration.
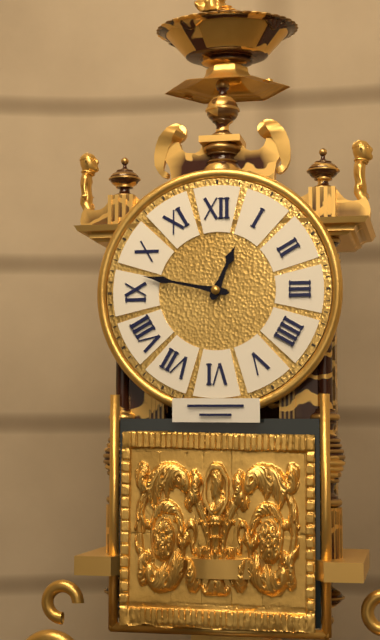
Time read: 12:47
